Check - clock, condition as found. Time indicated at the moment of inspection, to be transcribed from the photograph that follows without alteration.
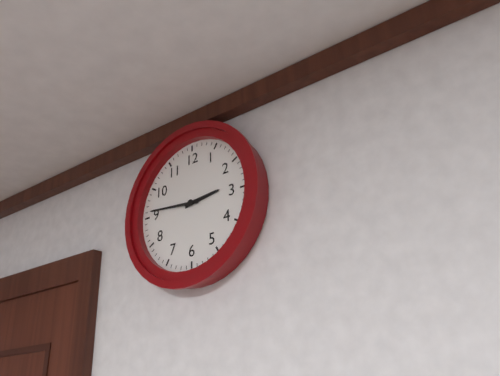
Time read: 2:46
